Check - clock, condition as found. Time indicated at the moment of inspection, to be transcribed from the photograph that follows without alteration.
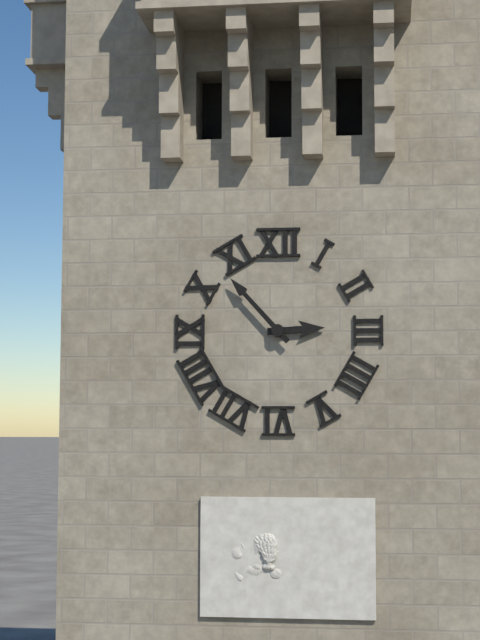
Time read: 2:53
